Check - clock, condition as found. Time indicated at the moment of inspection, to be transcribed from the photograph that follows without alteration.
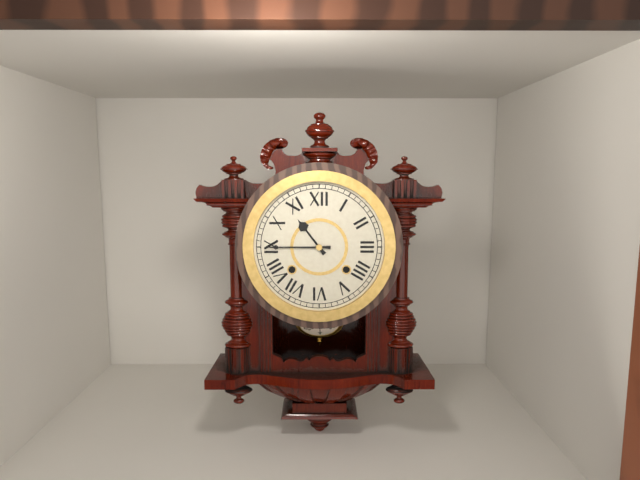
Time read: 10:45
